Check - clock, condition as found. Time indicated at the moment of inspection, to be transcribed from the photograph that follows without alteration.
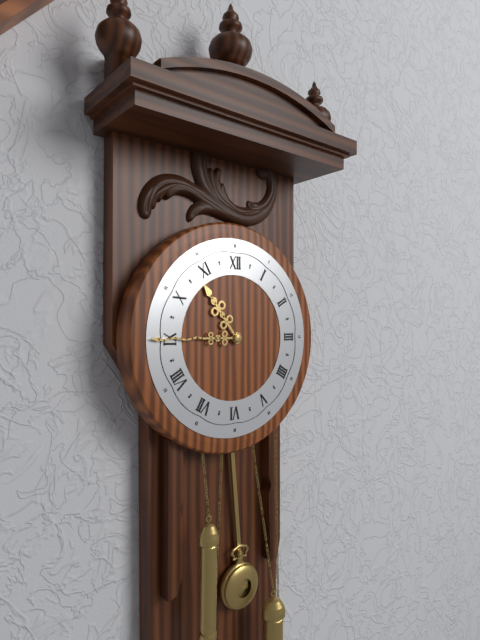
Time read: 10:45
